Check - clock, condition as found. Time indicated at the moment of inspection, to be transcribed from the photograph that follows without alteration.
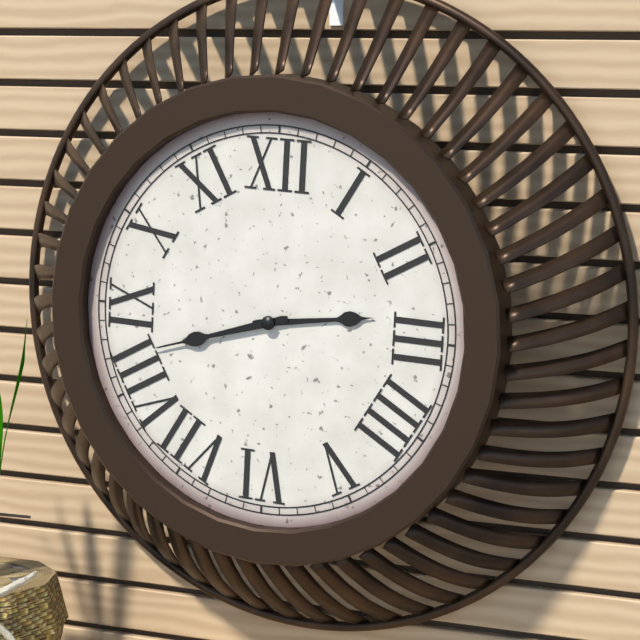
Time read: 2:42
